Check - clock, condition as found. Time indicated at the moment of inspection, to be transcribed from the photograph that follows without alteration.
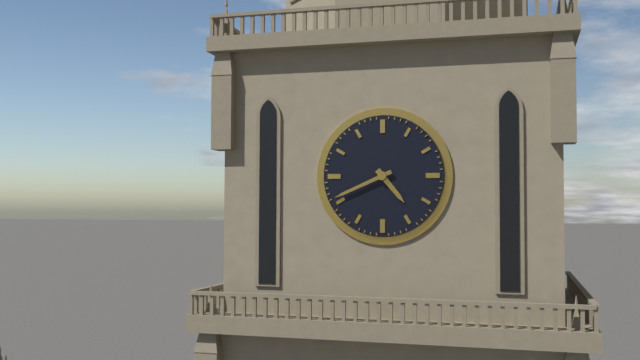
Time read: 4:41
